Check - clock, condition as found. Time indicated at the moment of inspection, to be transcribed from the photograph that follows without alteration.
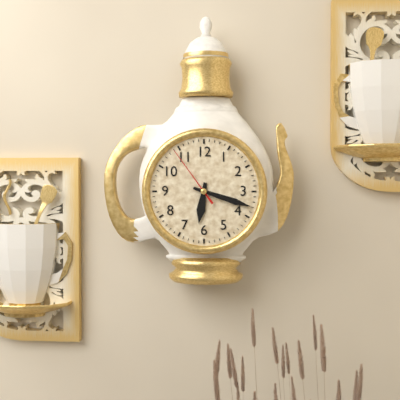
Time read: 6:18:54
